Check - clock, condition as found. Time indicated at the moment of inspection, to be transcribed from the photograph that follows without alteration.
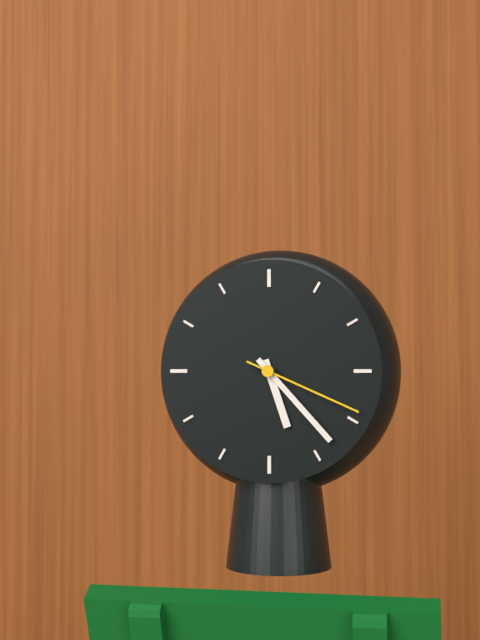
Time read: 5:23:19
